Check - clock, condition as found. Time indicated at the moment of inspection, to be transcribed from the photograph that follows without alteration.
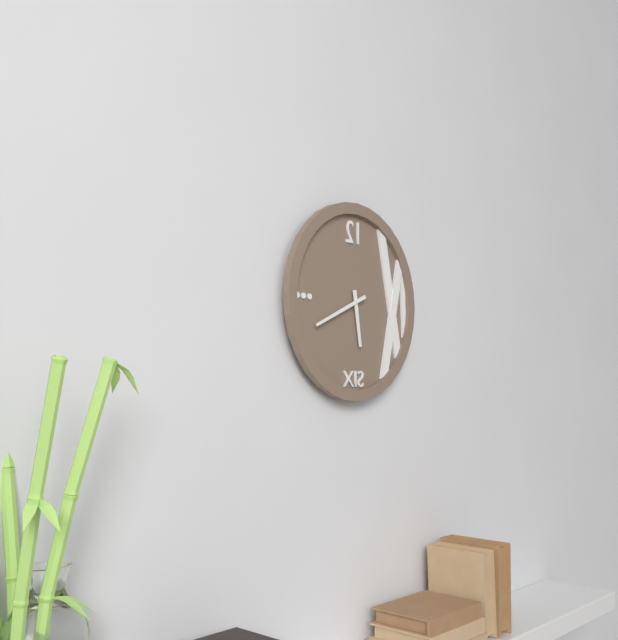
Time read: 5:41
